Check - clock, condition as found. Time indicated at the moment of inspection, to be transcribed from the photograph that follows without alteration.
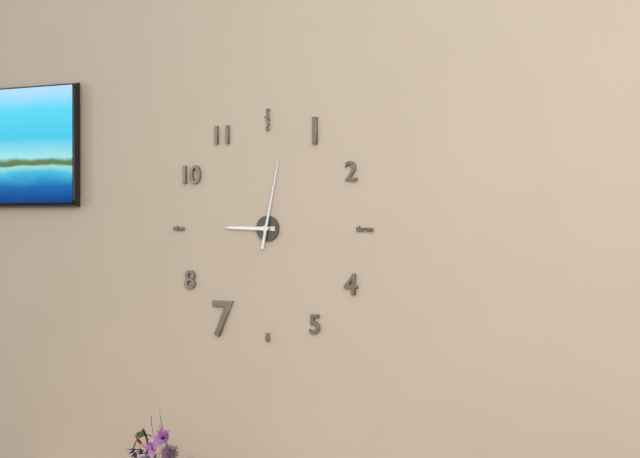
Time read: 9:02
